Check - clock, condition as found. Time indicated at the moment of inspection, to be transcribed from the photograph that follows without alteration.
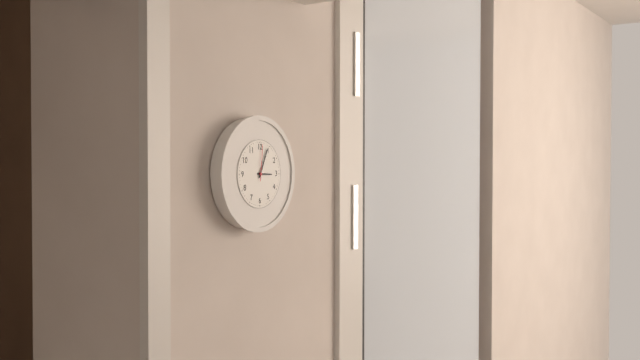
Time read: 3:04
